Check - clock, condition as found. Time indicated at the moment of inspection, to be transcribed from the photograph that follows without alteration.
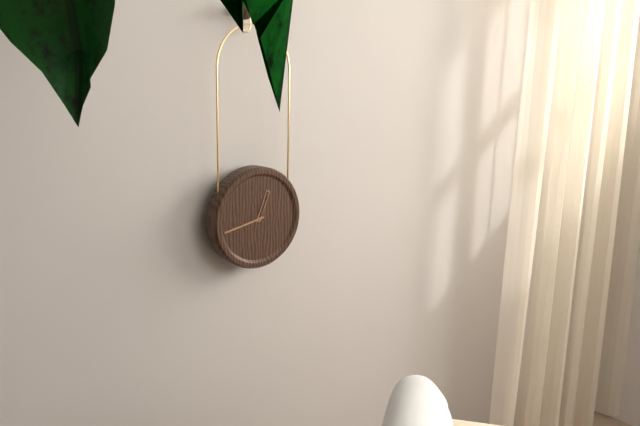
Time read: 12:43
